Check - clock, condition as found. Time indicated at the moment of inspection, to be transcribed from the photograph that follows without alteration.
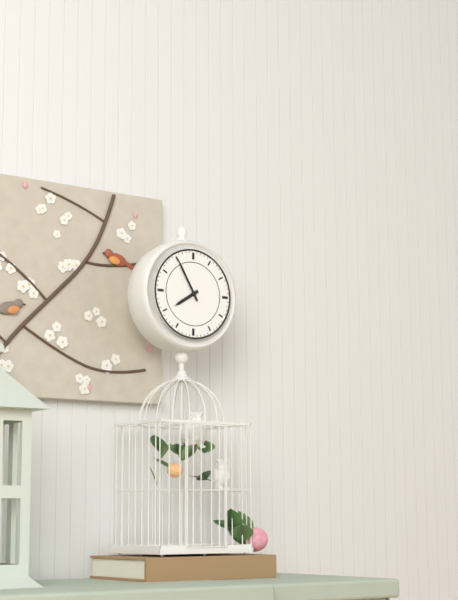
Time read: 7:55
